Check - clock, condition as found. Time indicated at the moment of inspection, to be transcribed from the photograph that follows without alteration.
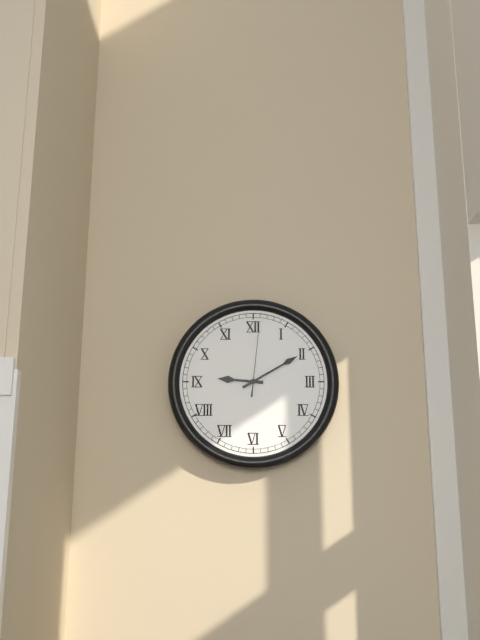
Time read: 9:10:01
